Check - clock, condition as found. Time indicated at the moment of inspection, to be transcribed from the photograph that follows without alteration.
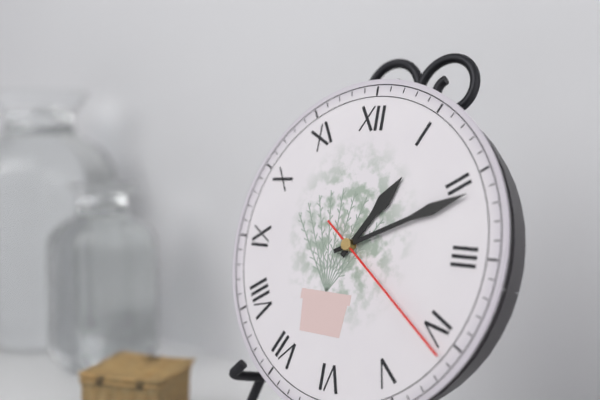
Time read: 1:11:21
